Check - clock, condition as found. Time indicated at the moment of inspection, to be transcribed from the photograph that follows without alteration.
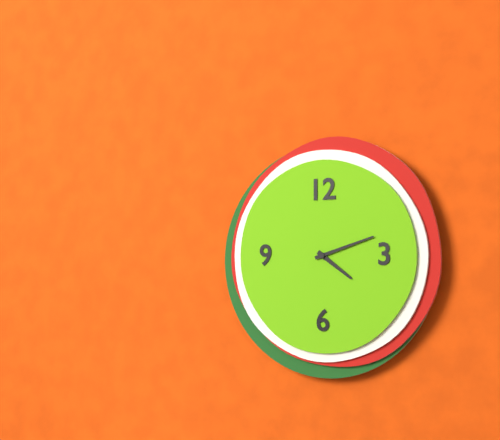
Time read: 4:12
